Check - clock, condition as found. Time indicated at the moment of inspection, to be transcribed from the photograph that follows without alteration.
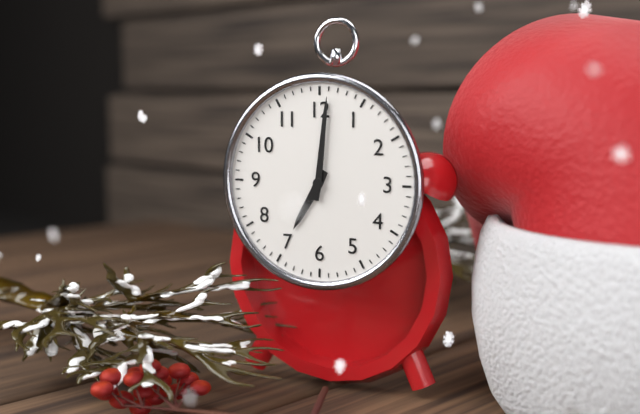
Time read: 7:01
